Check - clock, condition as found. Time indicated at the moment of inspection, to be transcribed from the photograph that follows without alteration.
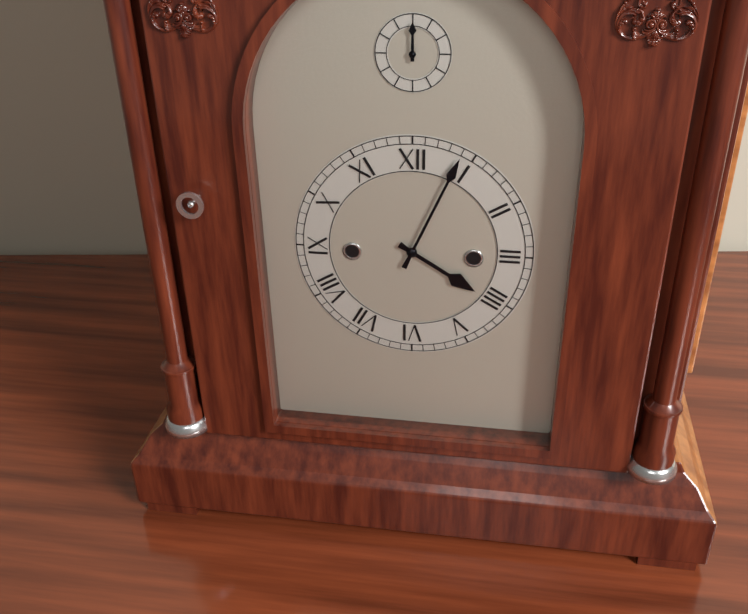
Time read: 4:04
